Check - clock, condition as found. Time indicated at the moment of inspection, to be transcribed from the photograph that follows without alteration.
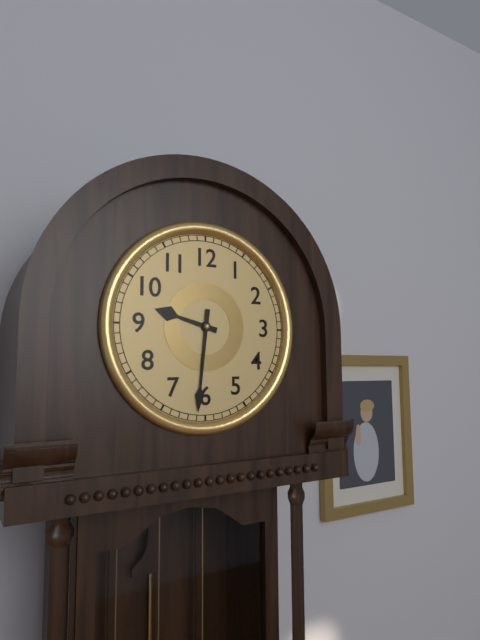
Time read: 9:31
